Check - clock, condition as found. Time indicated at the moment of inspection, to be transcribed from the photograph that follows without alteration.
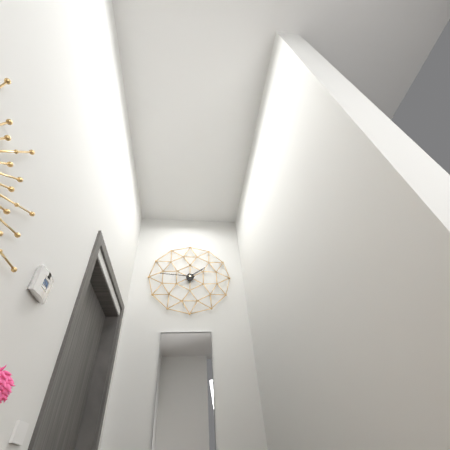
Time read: 1:46
